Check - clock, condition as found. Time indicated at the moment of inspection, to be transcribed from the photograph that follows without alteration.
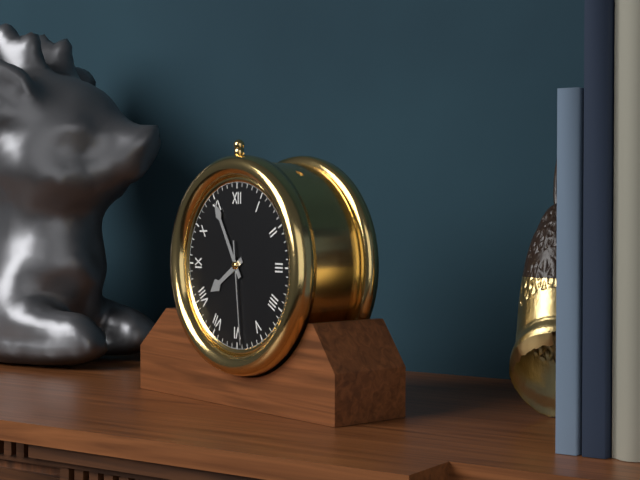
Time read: 7:55:29
